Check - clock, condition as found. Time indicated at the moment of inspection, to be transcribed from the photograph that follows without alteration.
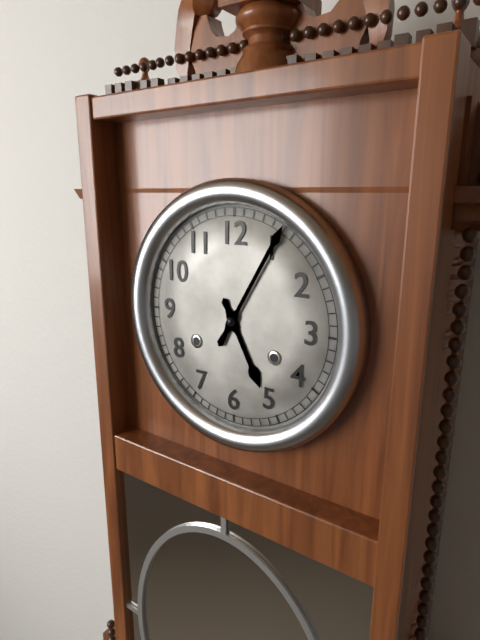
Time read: 5:05
